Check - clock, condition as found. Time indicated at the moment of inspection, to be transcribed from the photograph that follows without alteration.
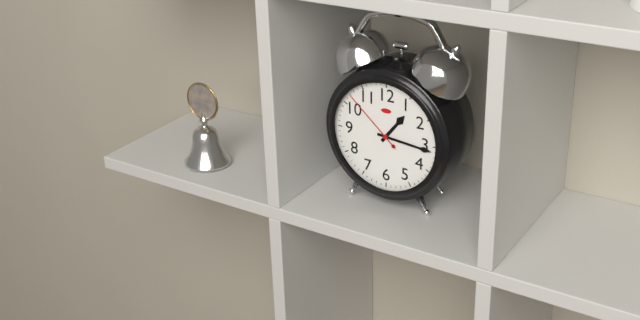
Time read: 1:16:52
